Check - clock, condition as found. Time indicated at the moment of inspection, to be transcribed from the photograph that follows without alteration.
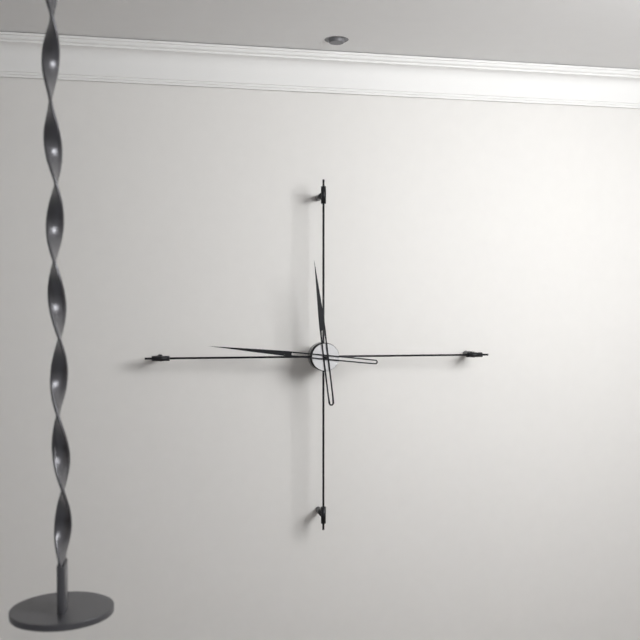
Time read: 11:46
